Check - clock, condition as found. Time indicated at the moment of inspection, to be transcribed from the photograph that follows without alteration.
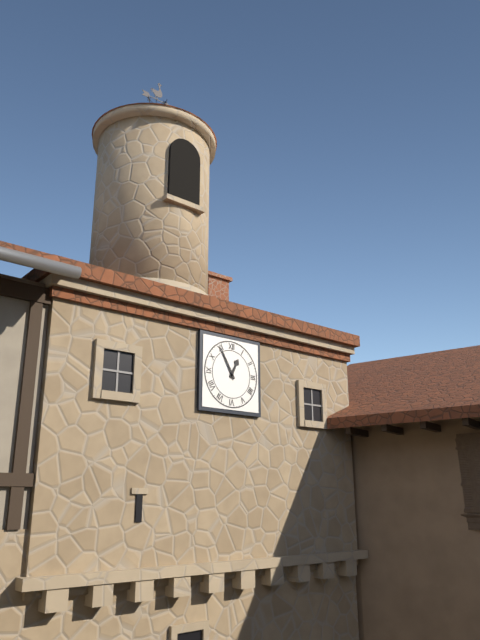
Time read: 12:55
